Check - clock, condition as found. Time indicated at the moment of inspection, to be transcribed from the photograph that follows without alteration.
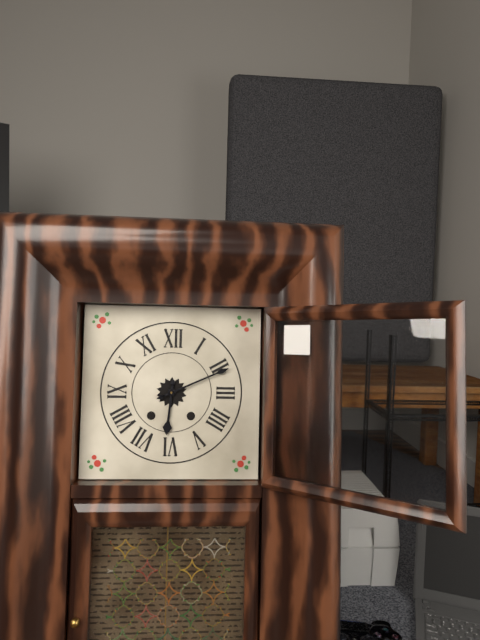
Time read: 6:11
